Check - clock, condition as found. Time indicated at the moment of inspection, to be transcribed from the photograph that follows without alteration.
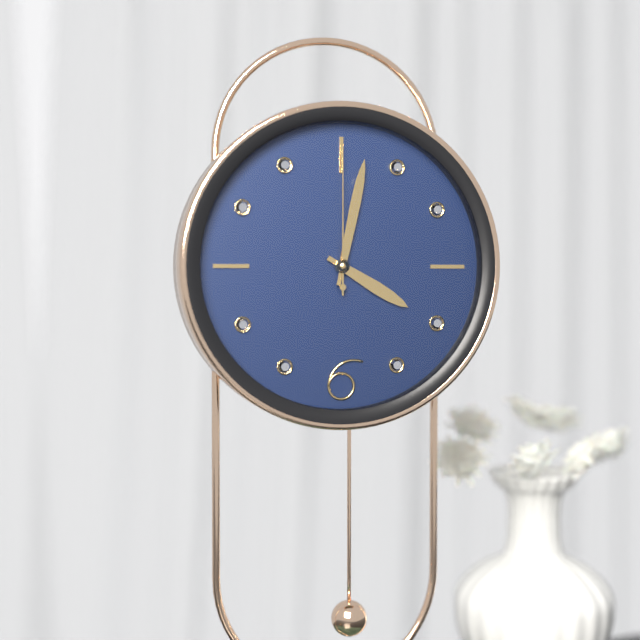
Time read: 4:02:00
